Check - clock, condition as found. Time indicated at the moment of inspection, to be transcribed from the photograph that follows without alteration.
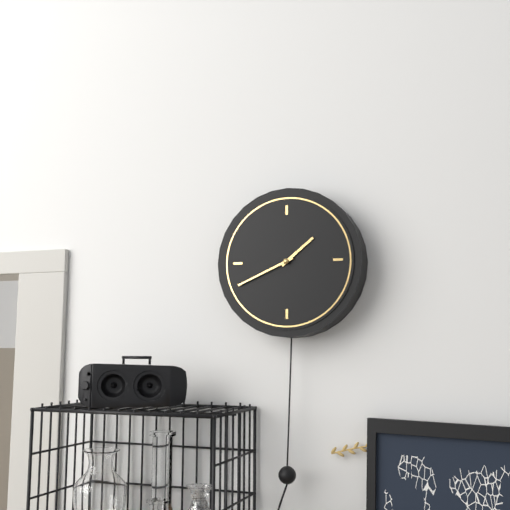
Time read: 1:41
